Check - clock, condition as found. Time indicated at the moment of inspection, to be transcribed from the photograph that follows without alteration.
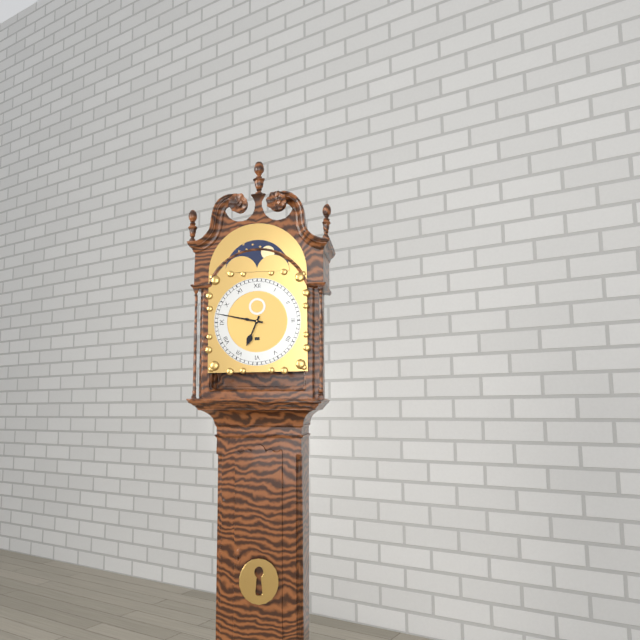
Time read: 6:47
